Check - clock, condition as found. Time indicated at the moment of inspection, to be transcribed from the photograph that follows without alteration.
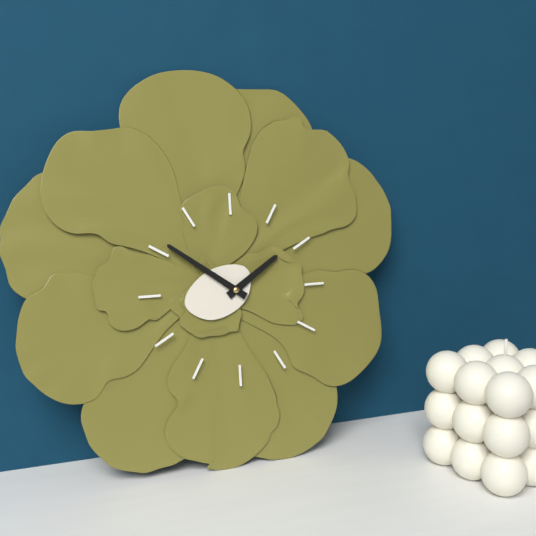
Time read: 1:51
